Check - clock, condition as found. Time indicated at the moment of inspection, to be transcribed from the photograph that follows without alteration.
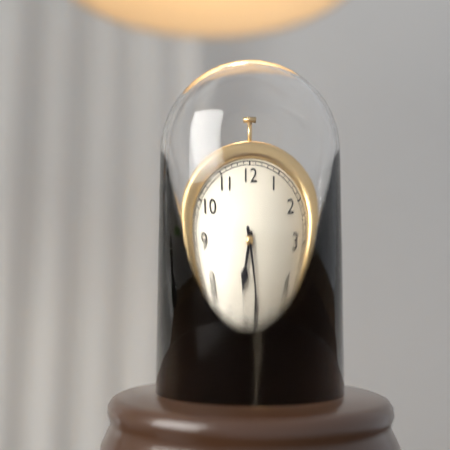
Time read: 6:28
